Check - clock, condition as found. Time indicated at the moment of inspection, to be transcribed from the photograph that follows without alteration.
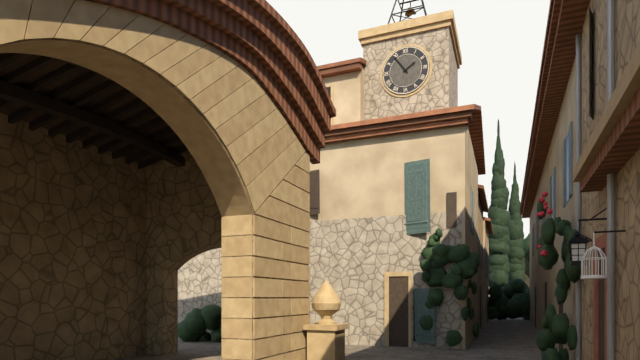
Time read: 1:54
